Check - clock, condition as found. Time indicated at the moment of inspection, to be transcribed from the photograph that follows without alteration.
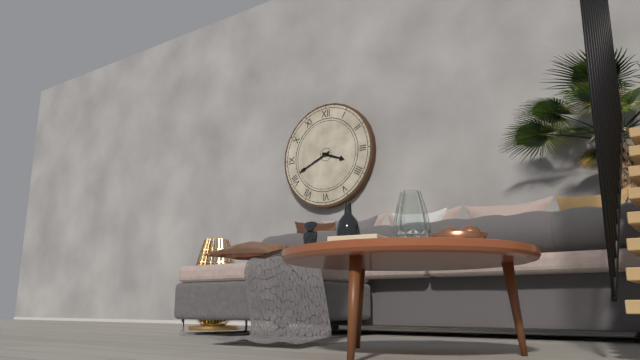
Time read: 3:41
